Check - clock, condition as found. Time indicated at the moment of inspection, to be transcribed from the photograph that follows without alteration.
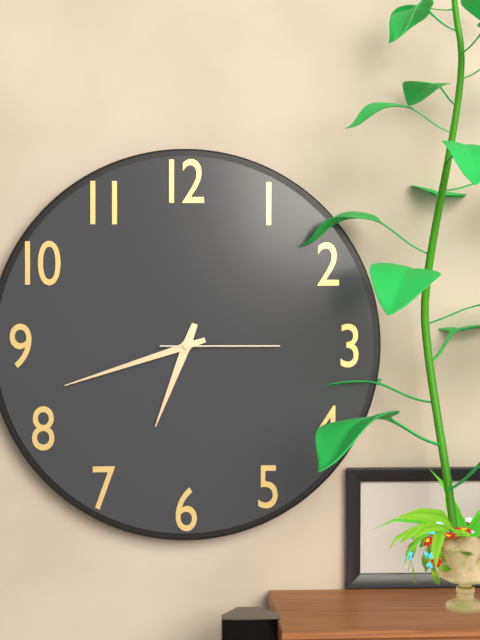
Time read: 6:42:15
